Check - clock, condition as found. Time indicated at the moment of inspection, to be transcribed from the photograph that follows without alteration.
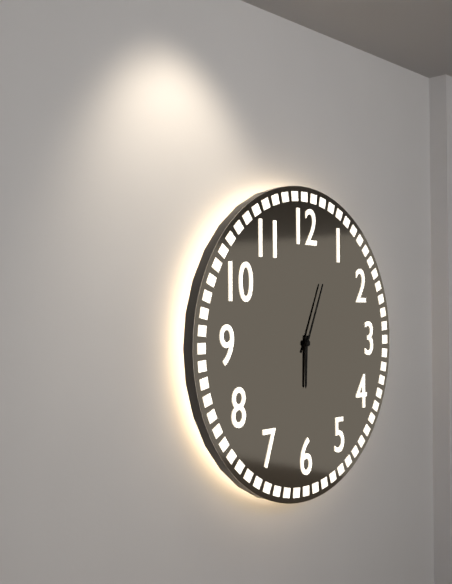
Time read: 6:04
